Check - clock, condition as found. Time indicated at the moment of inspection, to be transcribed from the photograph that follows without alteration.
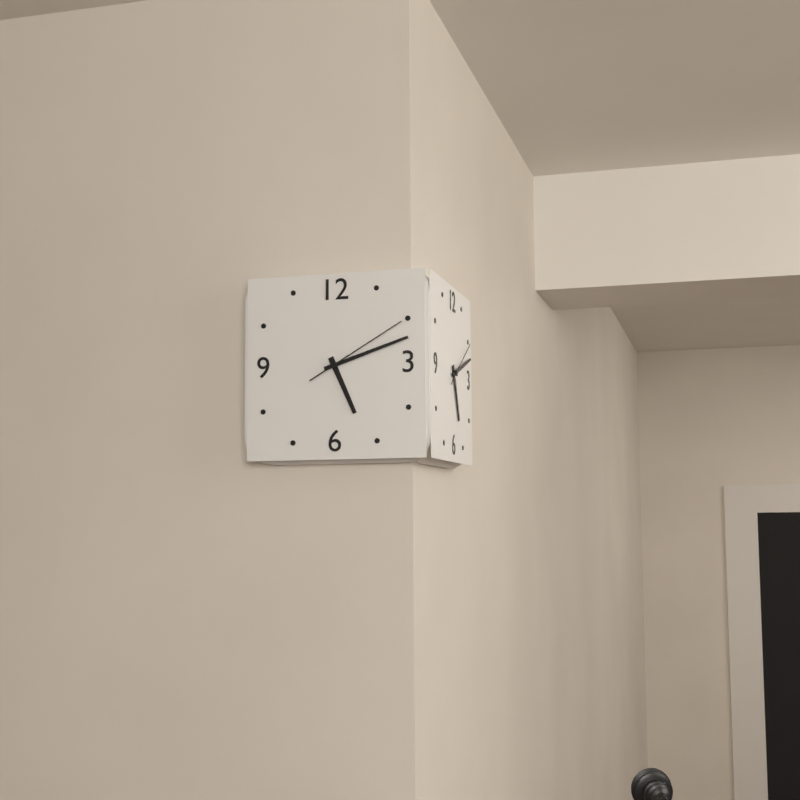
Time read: 5:12:10
